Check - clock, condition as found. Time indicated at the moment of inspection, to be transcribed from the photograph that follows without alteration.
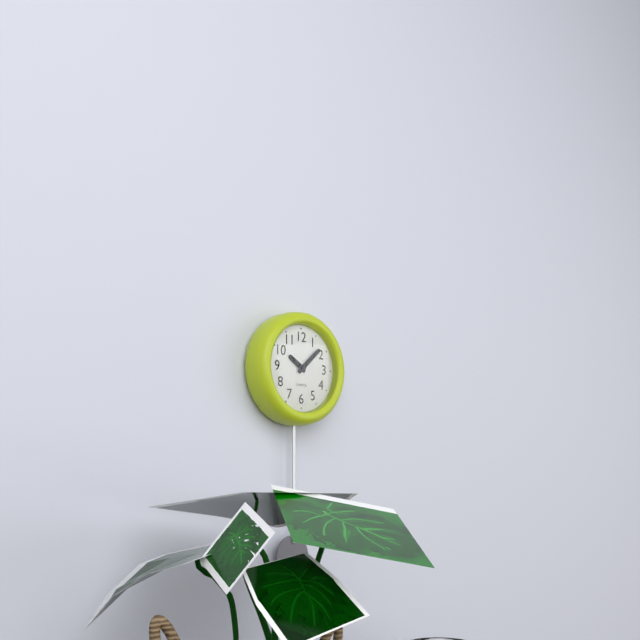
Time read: 10:08
